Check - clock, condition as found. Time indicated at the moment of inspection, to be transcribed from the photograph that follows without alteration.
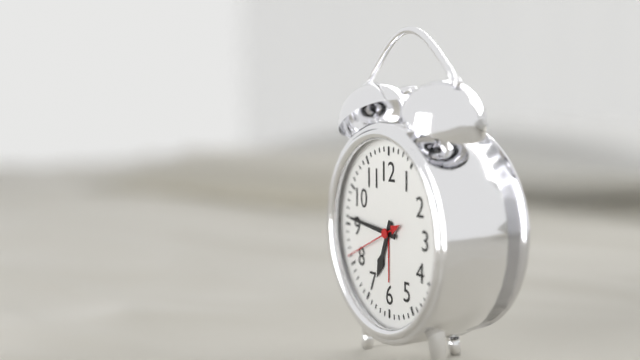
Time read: 6:46:41
